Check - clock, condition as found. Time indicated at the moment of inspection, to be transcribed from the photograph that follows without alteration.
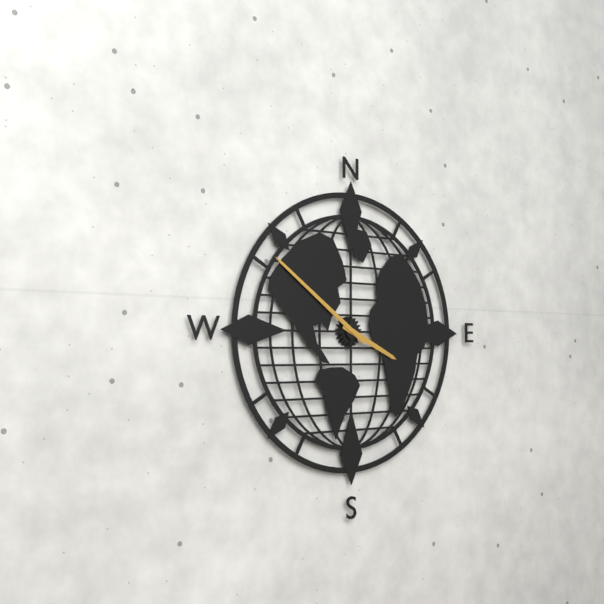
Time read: 3:51
